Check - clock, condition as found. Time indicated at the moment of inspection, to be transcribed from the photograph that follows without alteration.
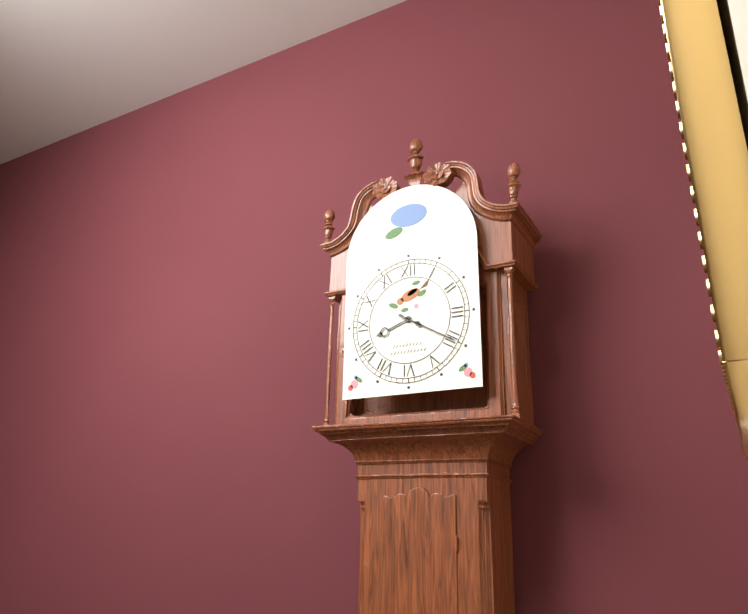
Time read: 8:20
